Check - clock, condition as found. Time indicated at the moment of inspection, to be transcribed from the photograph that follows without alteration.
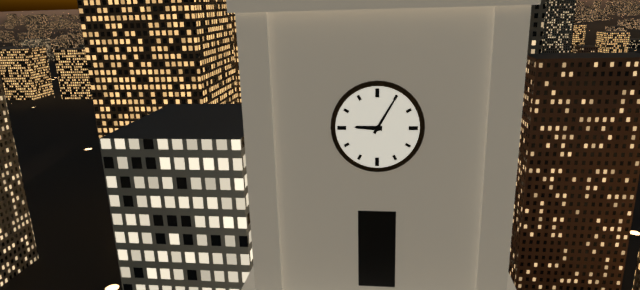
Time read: 9:05
